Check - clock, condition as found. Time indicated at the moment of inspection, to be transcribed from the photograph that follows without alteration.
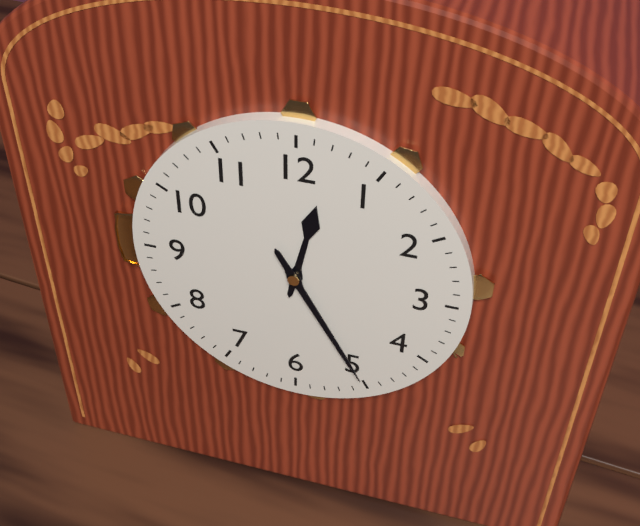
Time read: 12:25
